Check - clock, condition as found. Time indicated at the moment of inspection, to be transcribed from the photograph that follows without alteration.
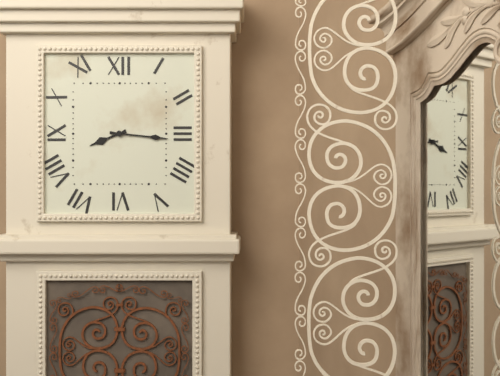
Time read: 8:16
